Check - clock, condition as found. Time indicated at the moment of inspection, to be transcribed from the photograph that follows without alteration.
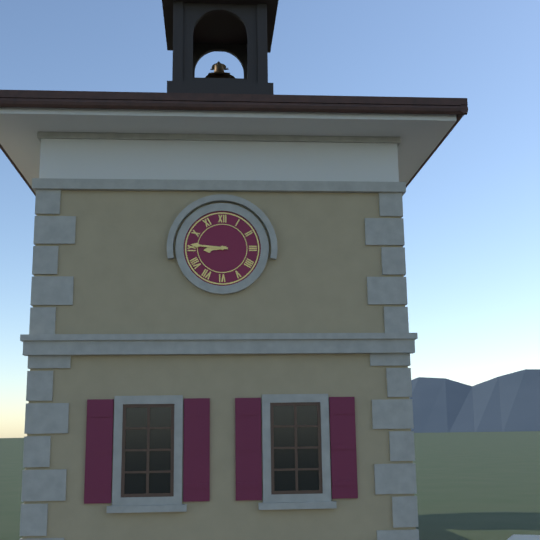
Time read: 8:46
